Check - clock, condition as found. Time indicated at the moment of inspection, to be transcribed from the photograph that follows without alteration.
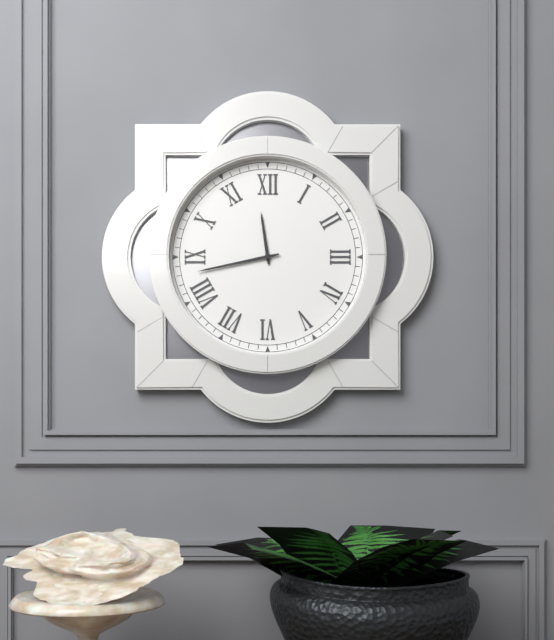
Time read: 11:43
